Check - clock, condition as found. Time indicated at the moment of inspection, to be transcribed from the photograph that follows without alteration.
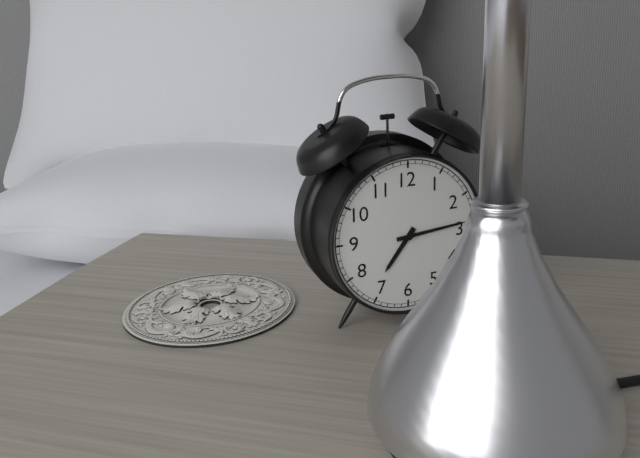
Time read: 7:14
